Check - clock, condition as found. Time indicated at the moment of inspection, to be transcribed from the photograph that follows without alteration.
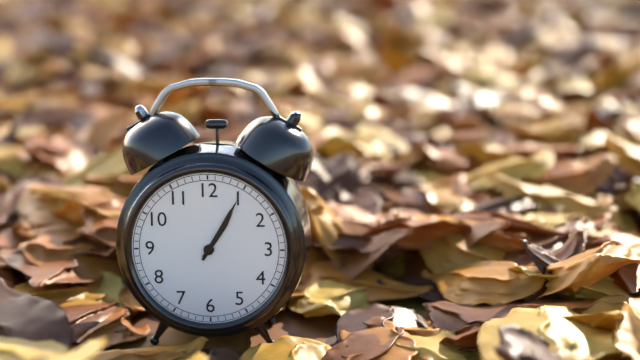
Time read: 1:05
